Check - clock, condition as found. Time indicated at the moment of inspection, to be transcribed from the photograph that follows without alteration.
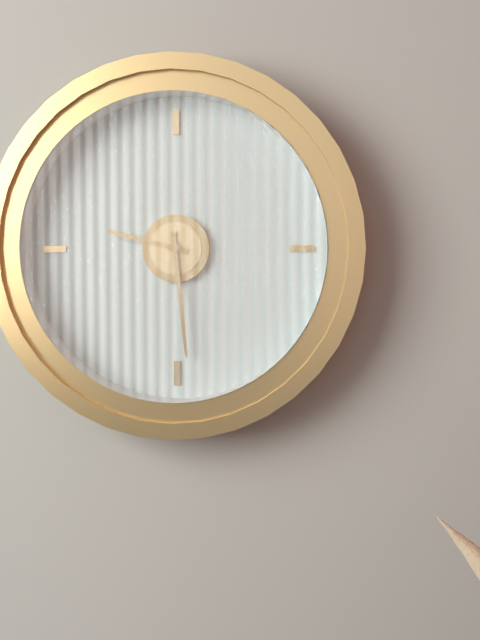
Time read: 9:29
